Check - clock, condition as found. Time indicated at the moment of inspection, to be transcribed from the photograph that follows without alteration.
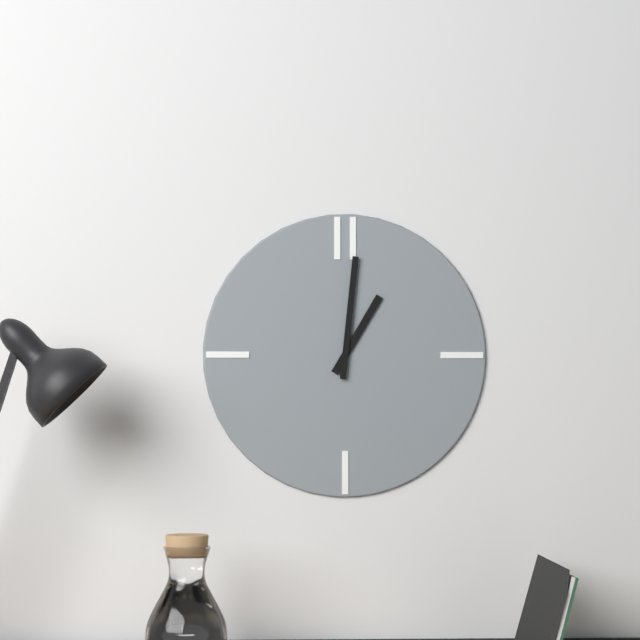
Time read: 1:01
